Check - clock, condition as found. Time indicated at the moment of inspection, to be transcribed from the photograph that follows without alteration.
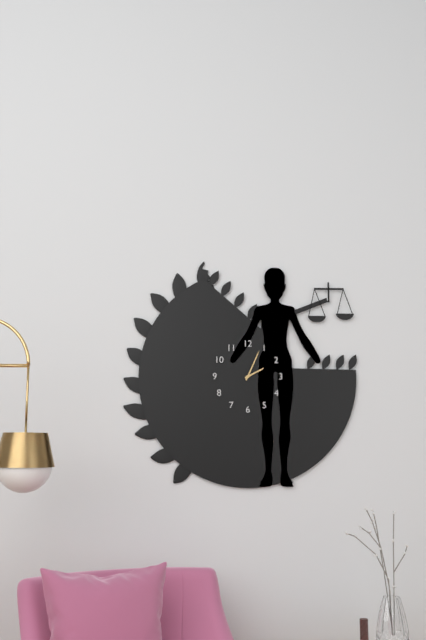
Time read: 2:04
